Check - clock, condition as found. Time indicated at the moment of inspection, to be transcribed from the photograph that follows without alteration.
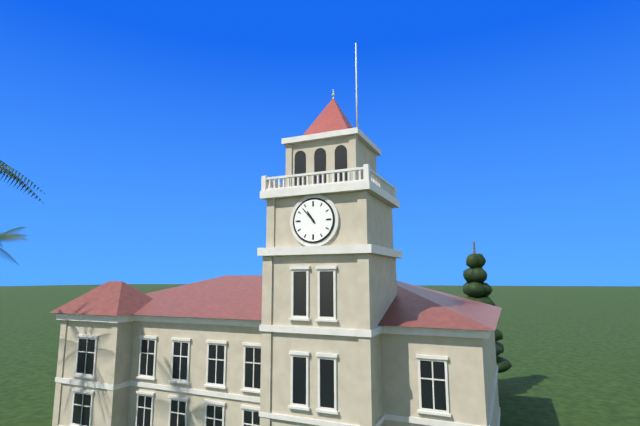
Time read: 10:53
